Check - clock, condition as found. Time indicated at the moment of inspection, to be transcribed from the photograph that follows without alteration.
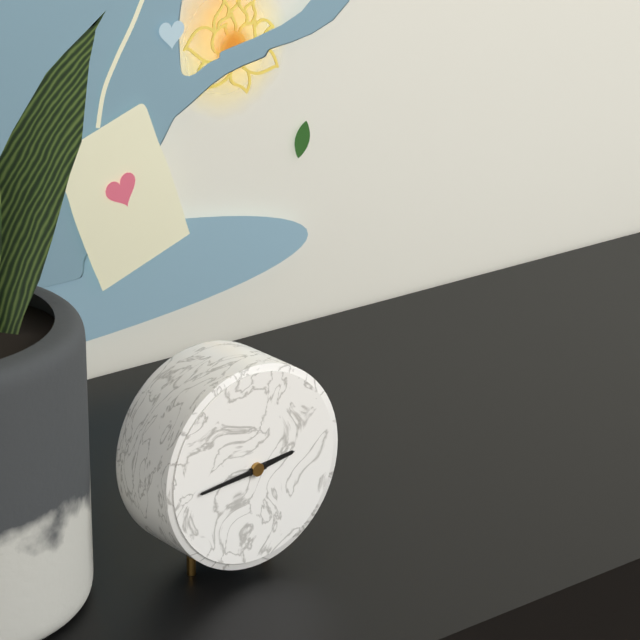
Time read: 2:44
